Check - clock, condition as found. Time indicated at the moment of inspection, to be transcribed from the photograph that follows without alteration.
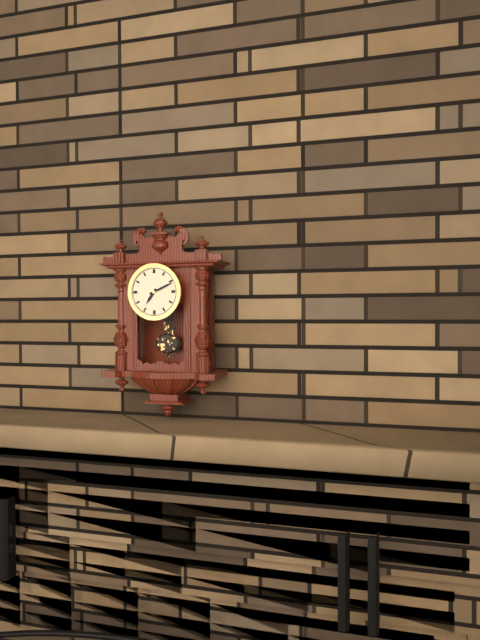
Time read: 7:11
